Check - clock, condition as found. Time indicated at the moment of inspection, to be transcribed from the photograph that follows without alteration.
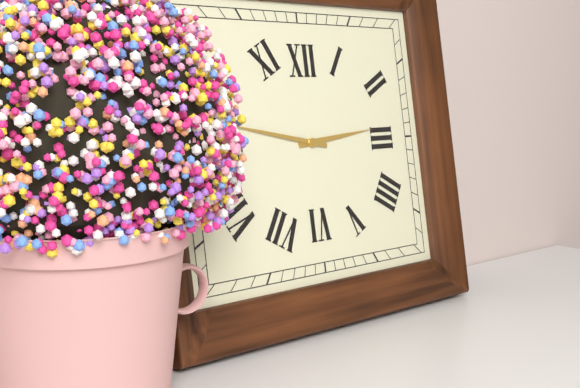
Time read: 2:47
